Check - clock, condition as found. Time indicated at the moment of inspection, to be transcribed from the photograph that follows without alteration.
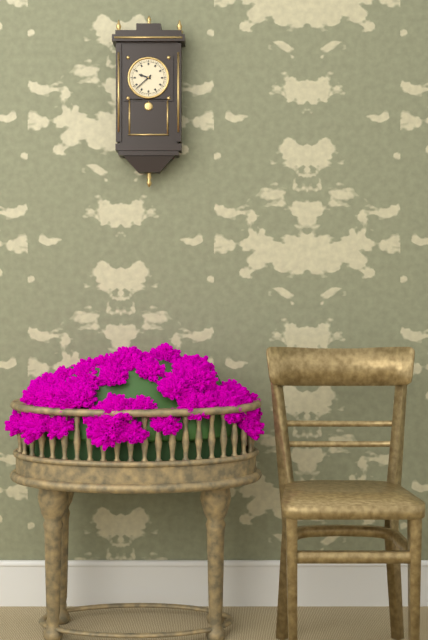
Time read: 9:38
